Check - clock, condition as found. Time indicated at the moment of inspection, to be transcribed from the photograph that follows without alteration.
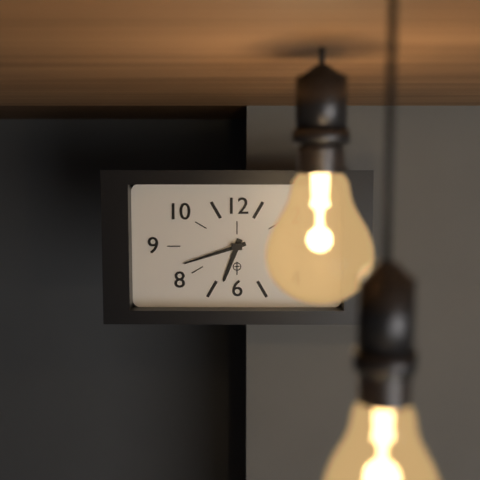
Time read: 6:42
